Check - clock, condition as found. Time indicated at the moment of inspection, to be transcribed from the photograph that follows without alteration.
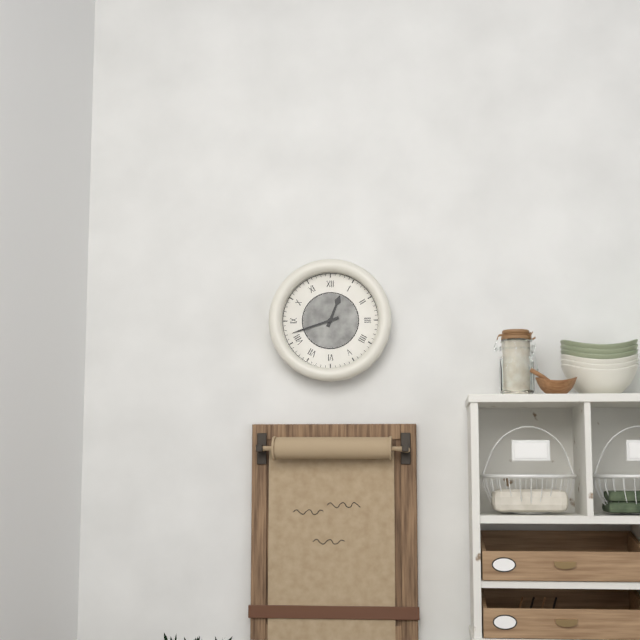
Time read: 12:42
